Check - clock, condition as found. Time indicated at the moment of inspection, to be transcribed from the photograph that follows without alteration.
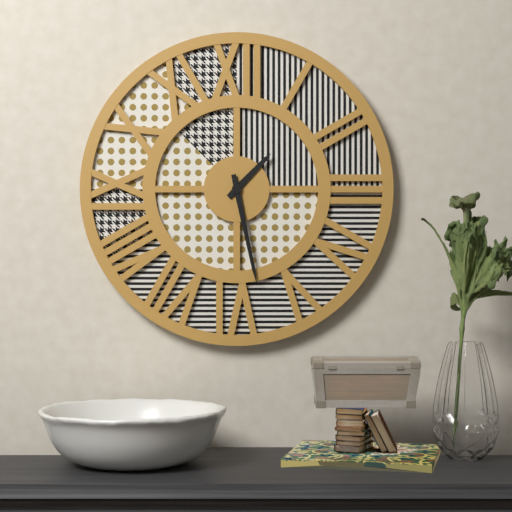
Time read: 1:28
